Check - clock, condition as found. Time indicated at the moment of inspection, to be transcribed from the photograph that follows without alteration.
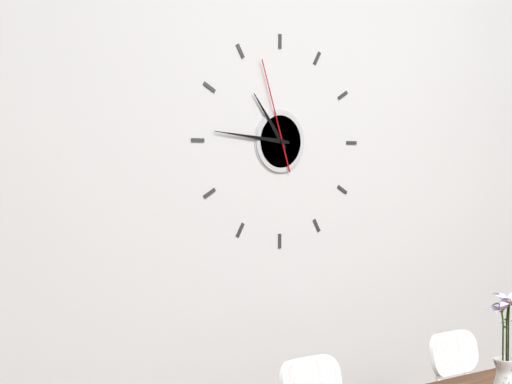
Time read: 10:46:57
